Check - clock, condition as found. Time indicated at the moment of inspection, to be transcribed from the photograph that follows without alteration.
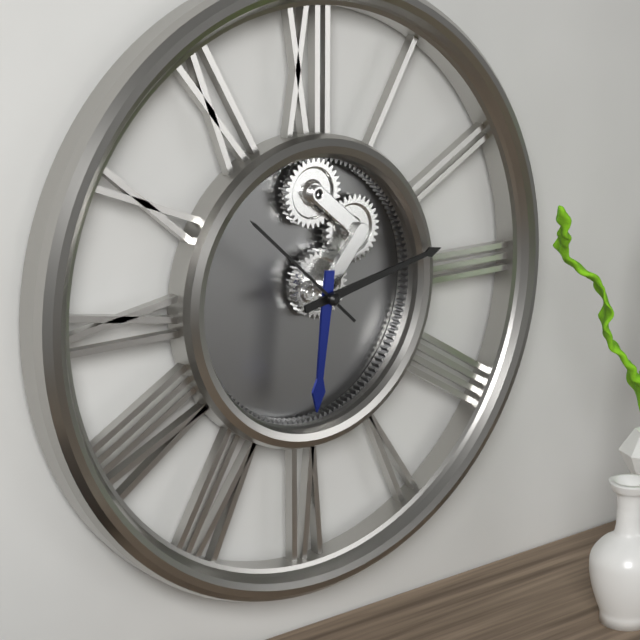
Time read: 6:13:52
